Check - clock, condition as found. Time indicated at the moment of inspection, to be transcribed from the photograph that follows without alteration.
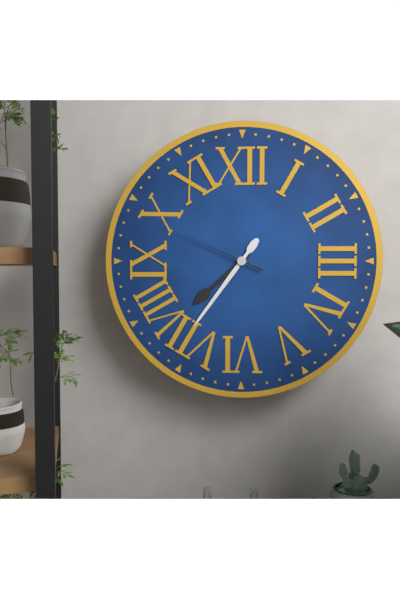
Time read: 7:36:49
